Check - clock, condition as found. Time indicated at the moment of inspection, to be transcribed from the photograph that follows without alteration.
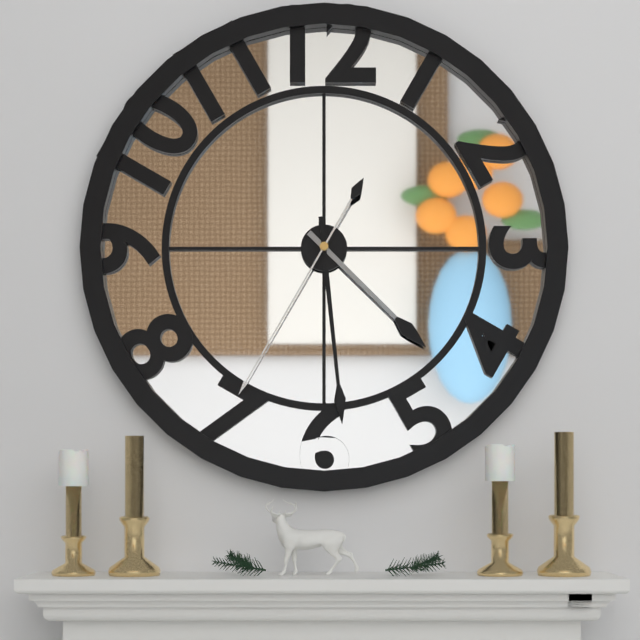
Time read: 4:29:35
